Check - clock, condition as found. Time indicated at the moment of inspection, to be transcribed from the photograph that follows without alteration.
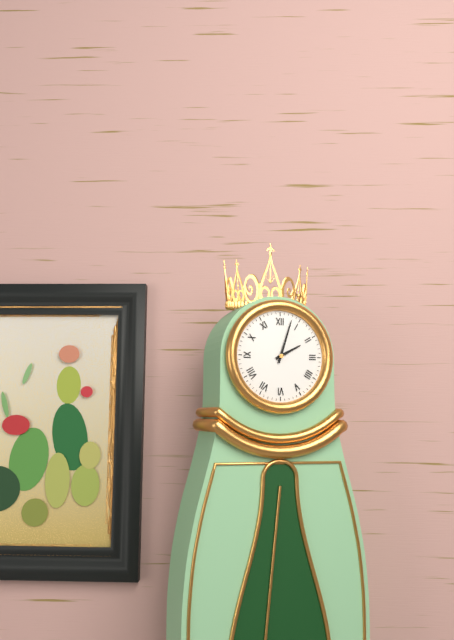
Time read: 2:03
